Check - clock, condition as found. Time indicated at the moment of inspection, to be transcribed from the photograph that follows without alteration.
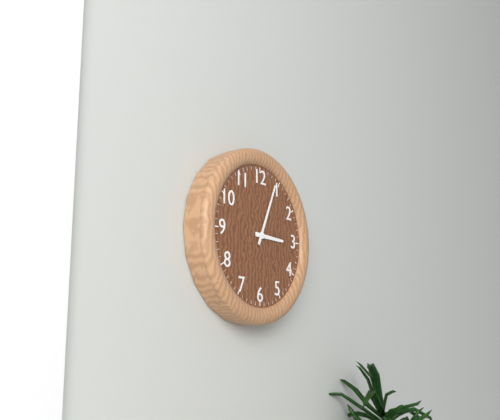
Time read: 3:04
